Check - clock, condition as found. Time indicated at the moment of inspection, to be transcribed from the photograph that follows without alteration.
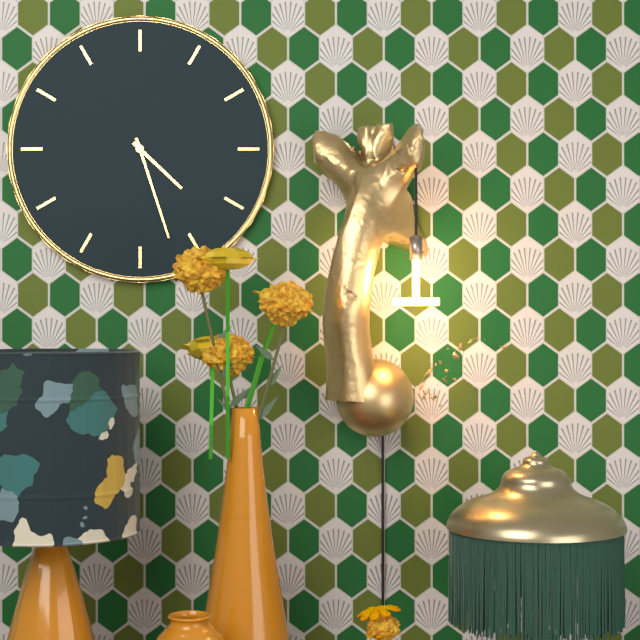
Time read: 4:27
